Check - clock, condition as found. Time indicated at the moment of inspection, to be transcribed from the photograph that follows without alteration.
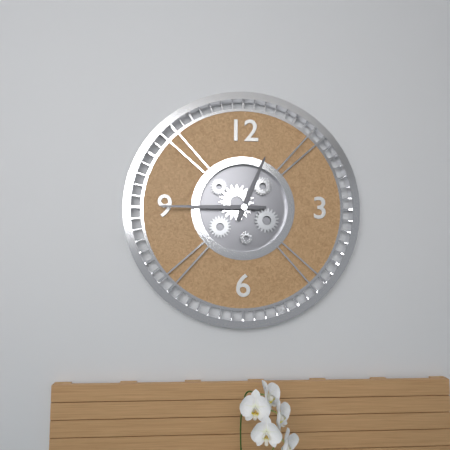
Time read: 12:45
